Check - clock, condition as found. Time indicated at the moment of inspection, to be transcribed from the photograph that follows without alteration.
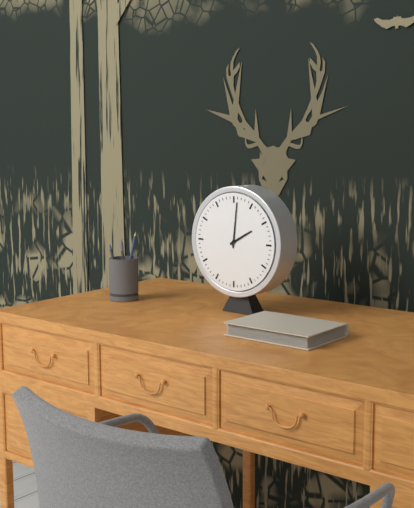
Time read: 2:01
